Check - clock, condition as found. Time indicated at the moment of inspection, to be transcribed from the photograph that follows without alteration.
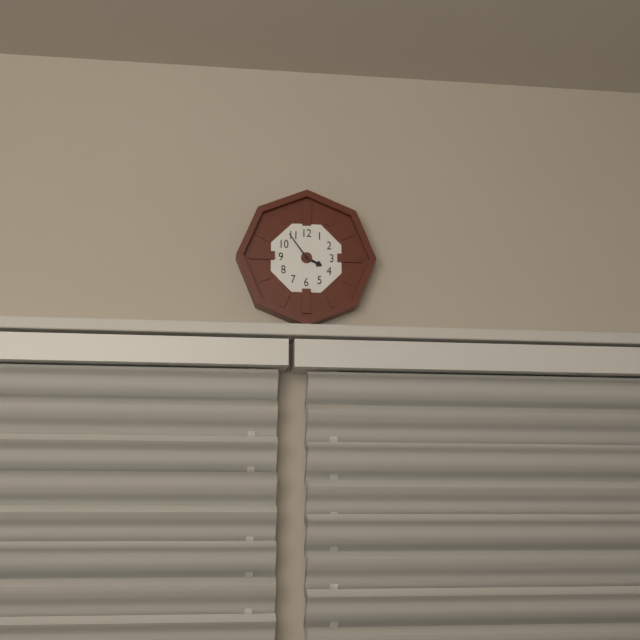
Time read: 3:54
